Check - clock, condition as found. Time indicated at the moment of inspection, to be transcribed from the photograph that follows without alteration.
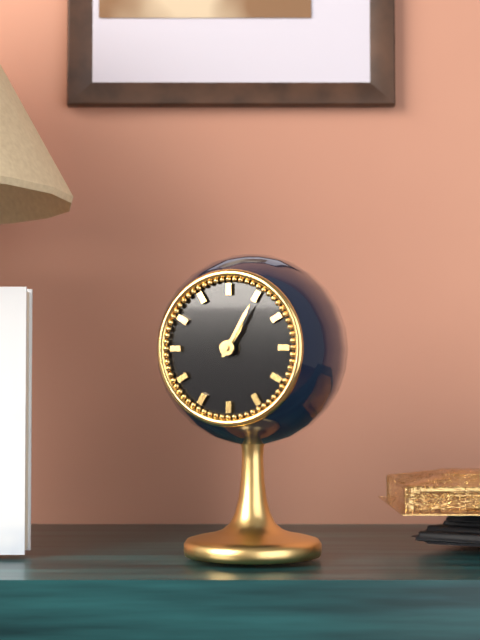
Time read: 1:05
